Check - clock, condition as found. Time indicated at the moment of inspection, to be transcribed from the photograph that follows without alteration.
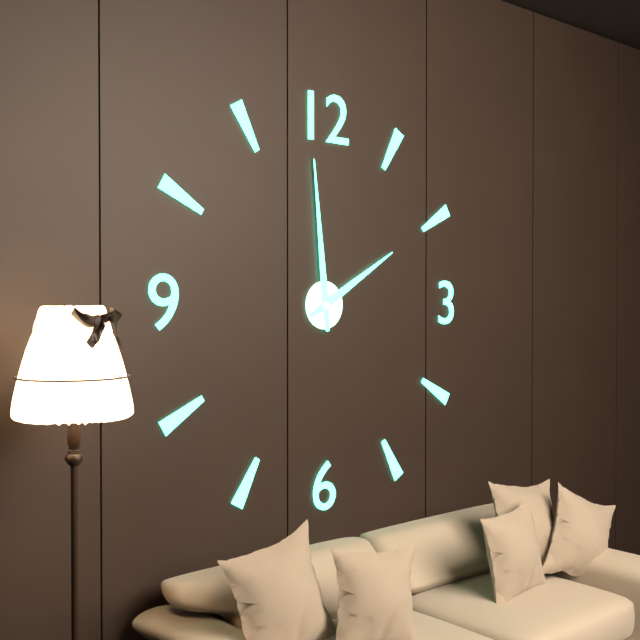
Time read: 1:59
